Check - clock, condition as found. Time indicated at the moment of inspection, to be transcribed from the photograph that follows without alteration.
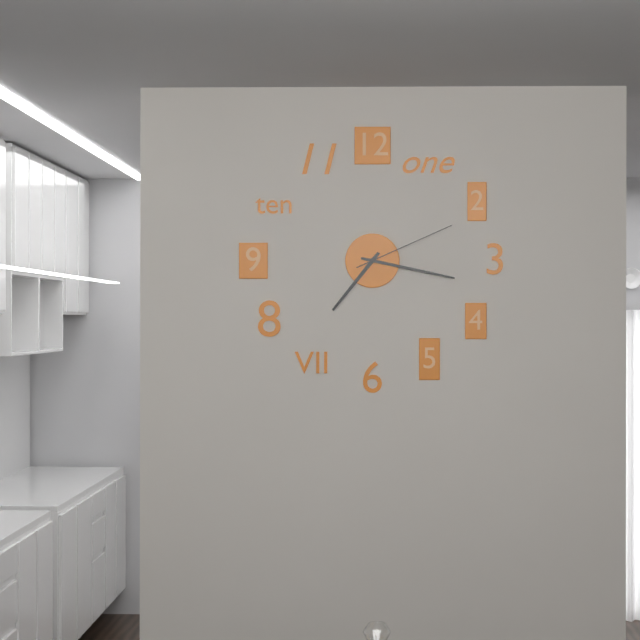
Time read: 7:17:11
